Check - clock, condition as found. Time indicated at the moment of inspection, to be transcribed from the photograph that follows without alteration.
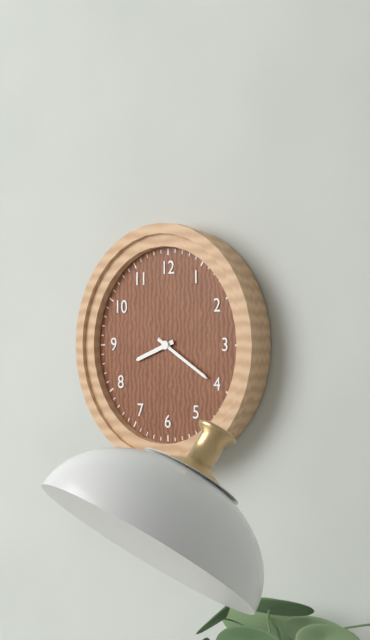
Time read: 8:20
